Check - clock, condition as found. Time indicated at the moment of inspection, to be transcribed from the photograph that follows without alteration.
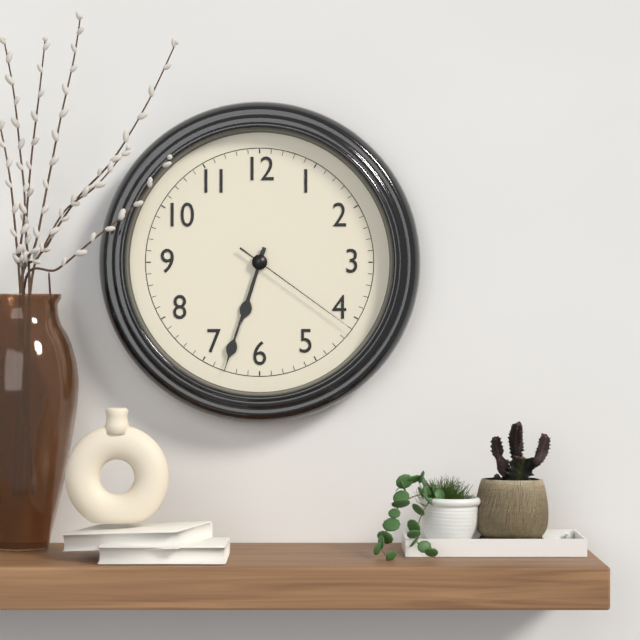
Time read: 6:33:21
